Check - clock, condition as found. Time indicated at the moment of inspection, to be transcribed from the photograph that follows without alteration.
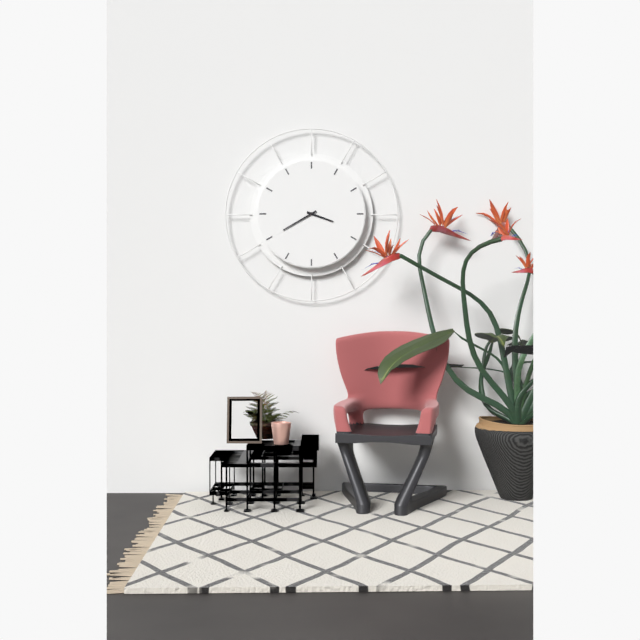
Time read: 3:40
